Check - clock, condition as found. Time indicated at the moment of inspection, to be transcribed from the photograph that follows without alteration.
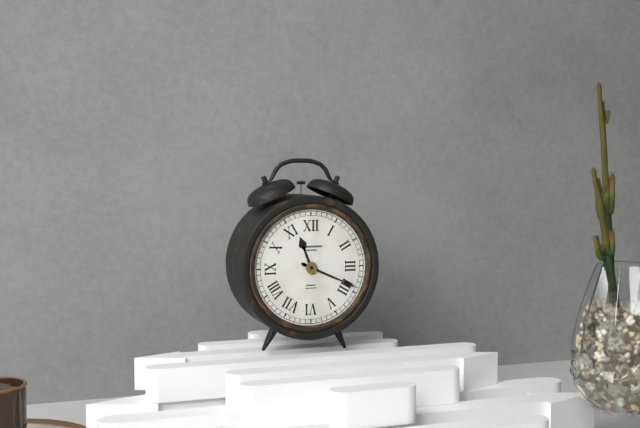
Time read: 11:19
